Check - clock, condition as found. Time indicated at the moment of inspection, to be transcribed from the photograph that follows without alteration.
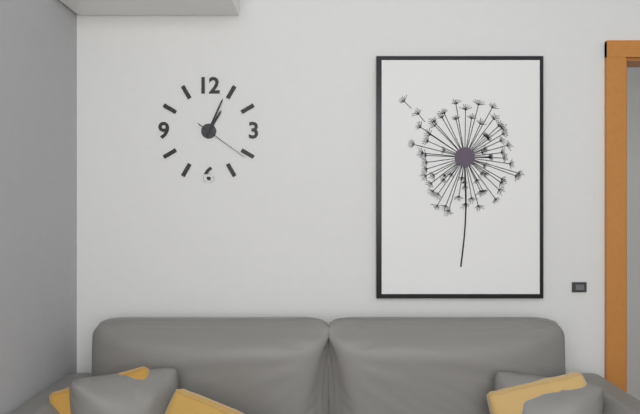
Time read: 1:04:21
